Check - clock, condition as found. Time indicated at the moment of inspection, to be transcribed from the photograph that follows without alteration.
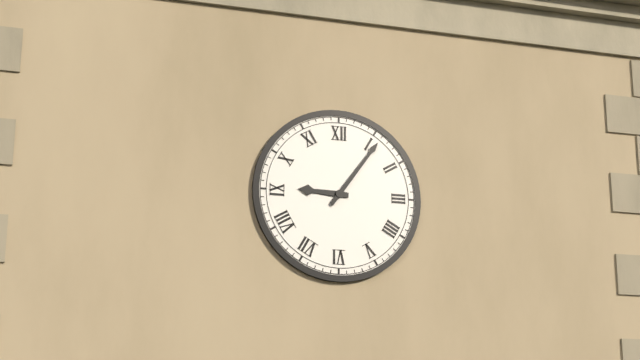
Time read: 9:06
